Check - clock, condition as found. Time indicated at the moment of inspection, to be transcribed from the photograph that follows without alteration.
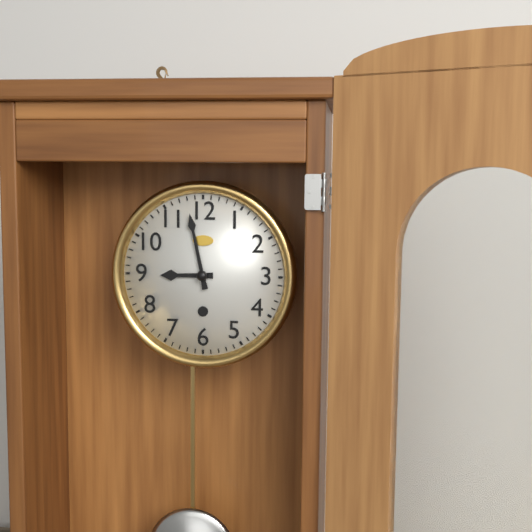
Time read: 8:58
